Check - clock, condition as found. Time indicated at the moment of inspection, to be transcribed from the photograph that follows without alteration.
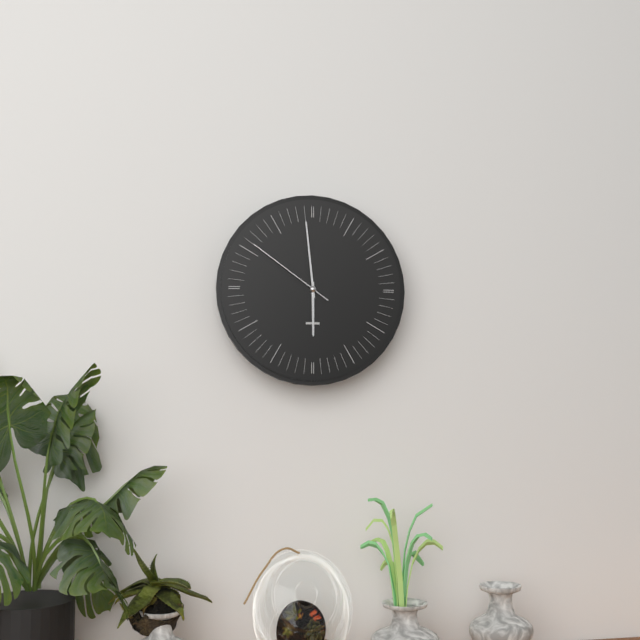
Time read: 5:59:51
